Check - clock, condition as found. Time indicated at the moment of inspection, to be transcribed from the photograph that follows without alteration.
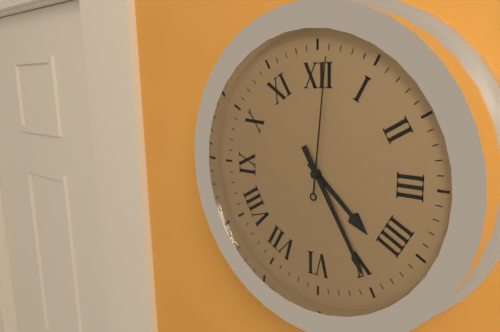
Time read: 4:25:01
